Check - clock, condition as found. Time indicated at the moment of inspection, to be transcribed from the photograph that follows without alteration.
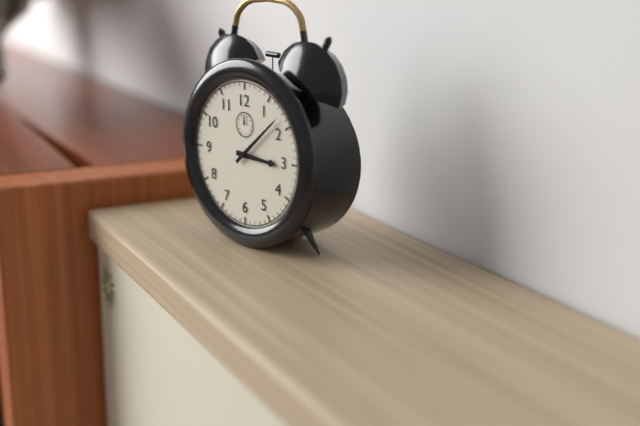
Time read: 3:08
